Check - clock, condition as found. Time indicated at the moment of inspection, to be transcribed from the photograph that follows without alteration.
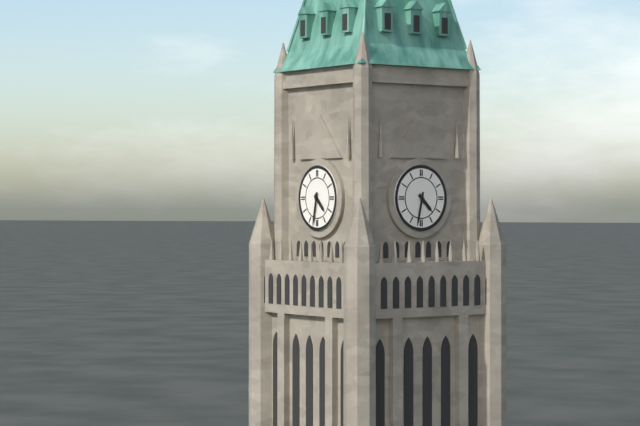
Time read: 4:32
